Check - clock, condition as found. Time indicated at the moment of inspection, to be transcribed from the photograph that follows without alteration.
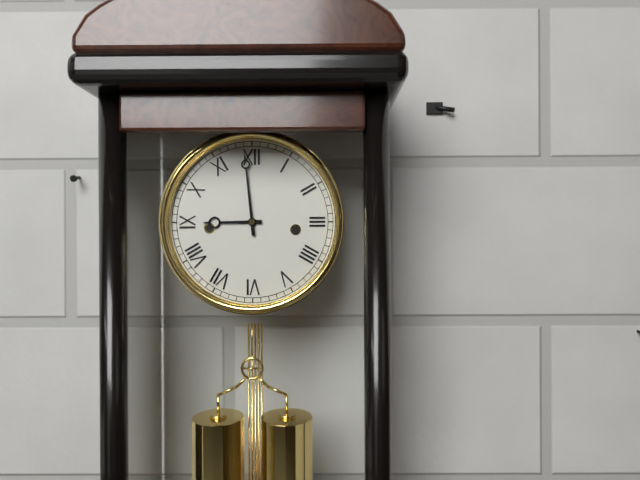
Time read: 8:59
